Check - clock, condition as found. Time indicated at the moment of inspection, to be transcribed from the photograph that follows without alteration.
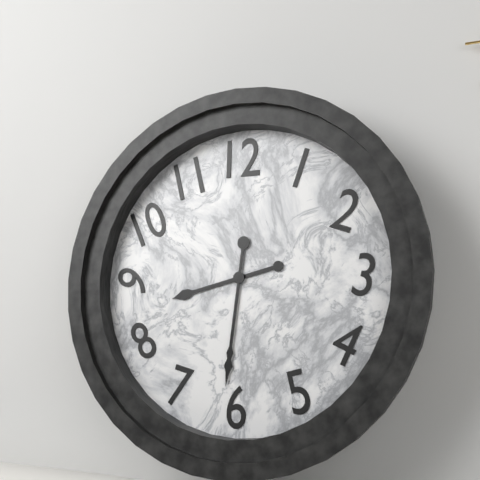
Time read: 8:31
